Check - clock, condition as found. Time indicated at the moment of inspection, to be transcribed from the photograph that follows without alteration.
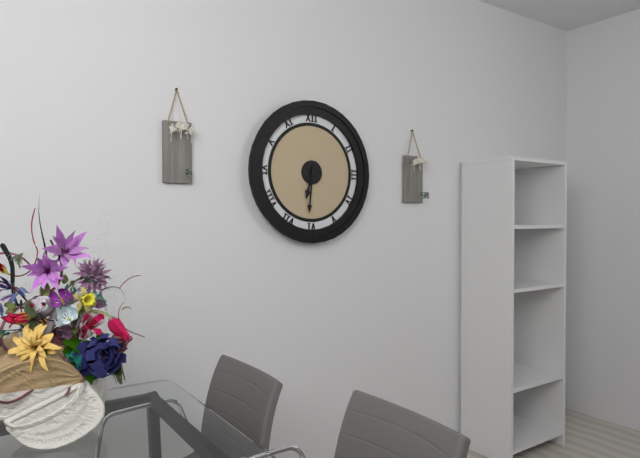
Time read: 6:31
